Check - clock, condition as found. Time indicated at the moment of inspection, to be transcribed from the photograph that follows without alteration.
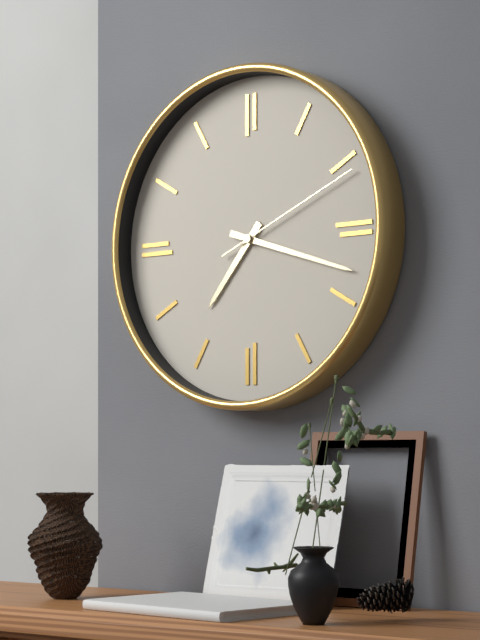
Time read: 7:18:11
